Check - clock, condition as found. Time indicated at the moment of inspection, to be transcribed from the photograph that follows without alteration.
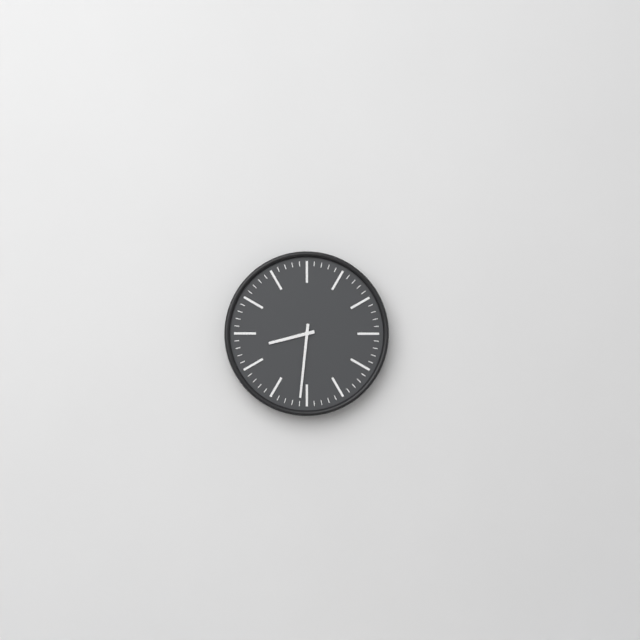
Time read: 8:31
